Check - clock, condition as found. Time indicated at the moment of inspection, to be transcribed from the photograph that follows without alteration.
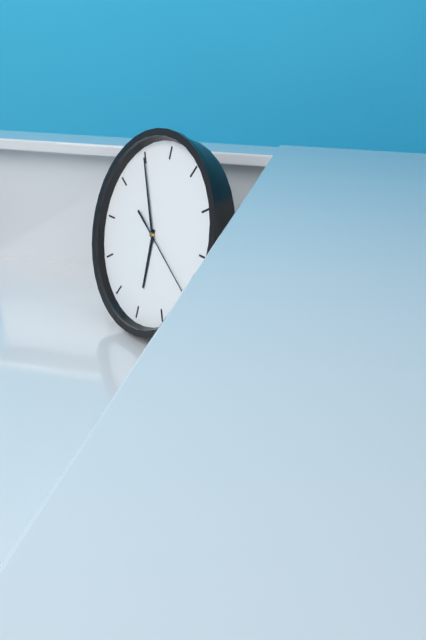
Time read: 5:55:20
